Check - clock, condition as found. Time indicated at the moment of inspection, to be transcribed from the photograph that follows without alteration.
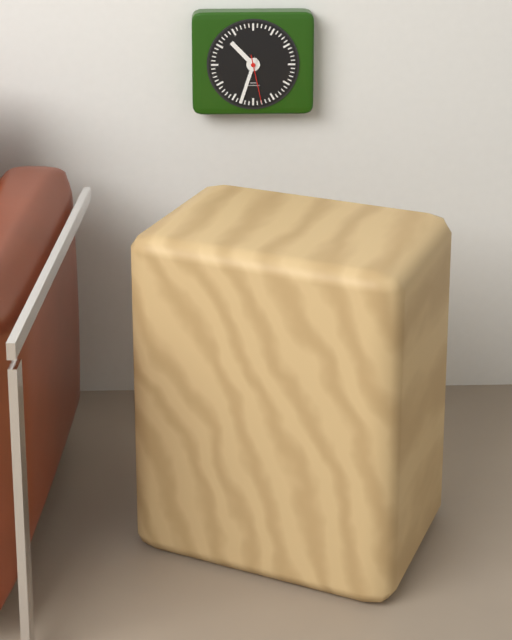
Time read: 10:33
